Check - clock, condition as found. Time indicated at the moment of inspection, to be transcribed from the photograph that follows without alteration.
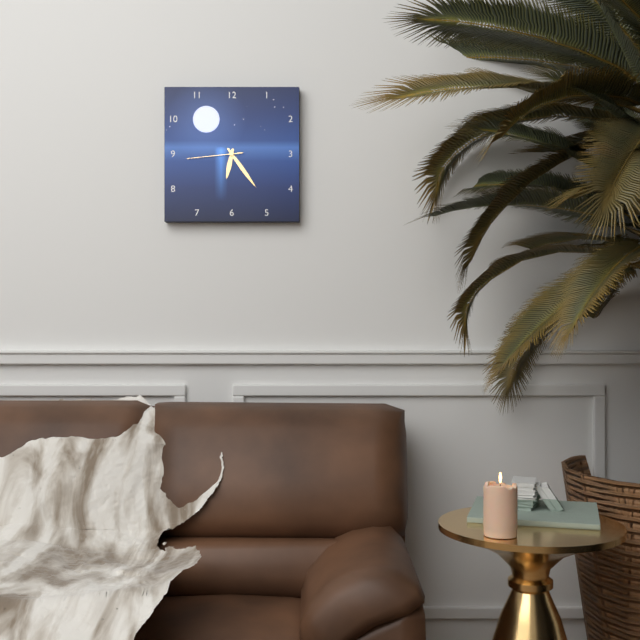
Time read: 6:24:44
